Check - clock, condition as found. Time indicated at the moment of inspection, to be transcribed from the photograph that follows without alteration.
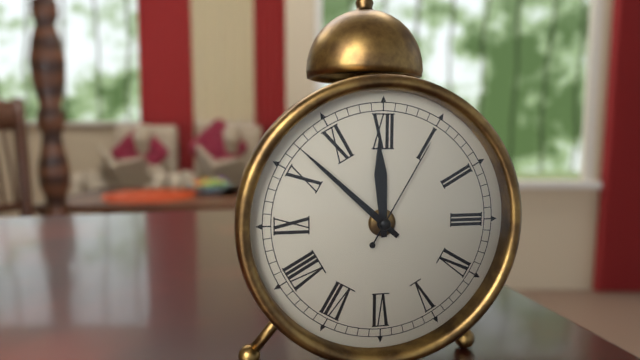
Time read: 11:52:05
